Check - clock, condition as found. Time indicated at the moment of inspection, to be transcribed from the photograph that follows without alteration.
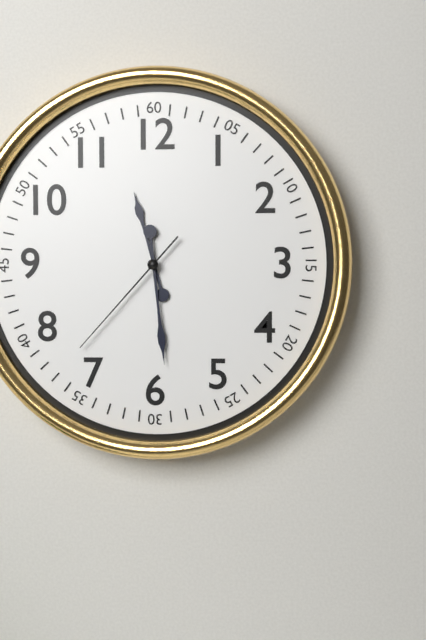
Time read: 11:29:37
